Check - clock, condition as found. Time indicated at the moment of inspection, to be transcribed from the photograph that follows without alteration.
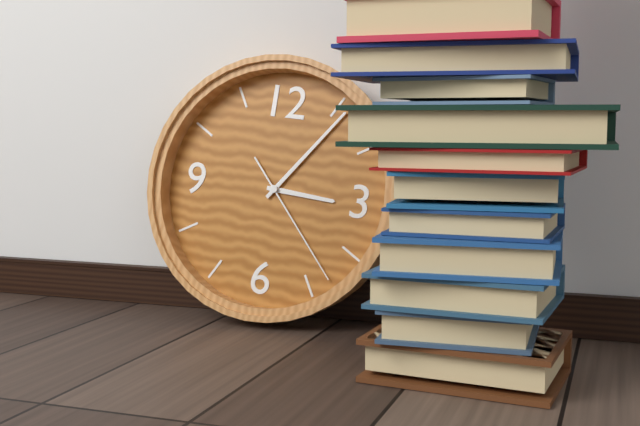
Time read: 3:06:23
